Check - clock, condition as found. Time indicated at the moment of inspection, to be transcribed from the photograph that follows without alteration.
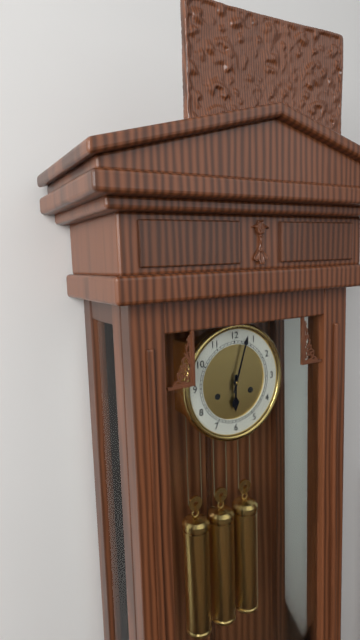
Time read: 6:03
